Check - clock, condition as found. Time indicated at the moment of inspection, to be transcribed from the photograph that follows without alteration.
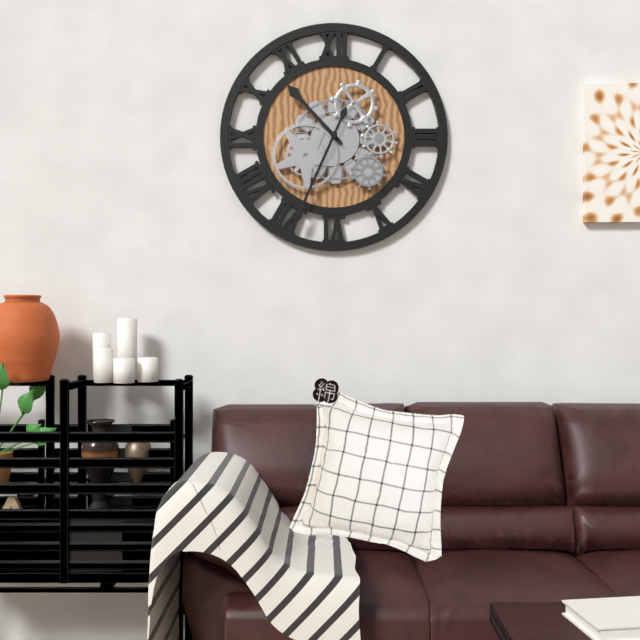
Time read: 10:34
